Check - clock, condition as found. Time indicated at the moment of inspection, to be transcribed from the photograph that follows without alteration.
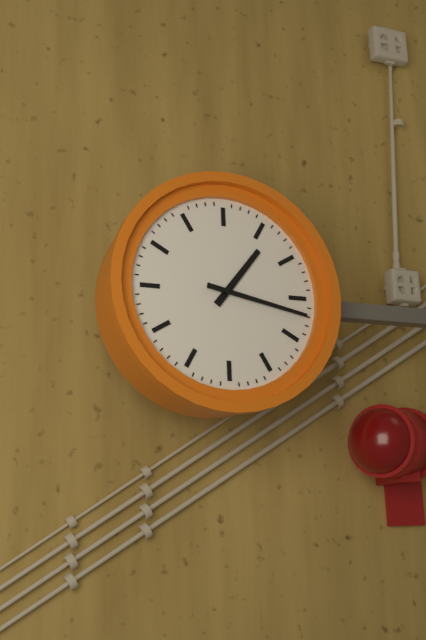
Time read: 1:17
